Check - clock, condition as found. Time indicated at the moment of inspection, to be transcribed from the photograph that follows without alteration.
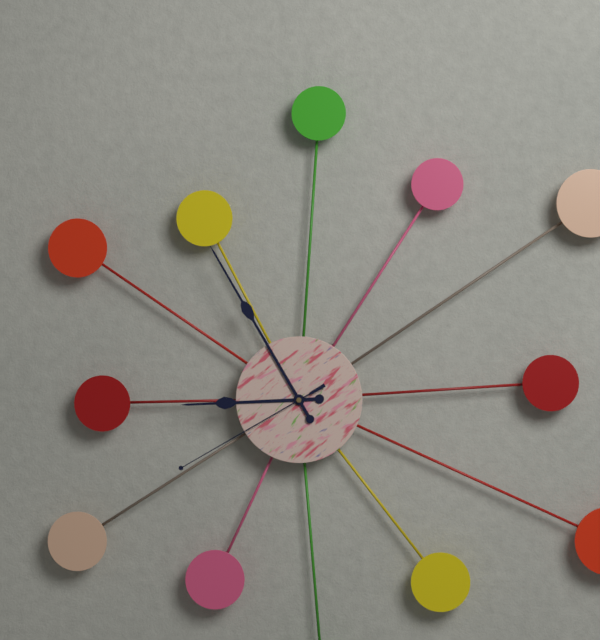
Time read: 8:55:40
